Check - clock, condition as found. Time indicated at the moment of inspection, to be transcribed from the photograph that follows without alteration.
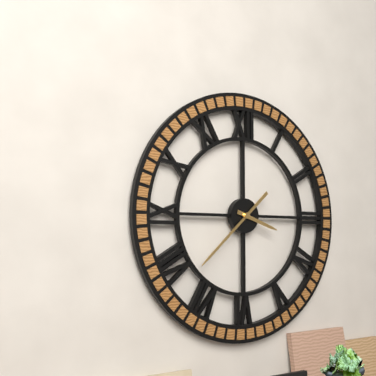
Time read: 3:38
